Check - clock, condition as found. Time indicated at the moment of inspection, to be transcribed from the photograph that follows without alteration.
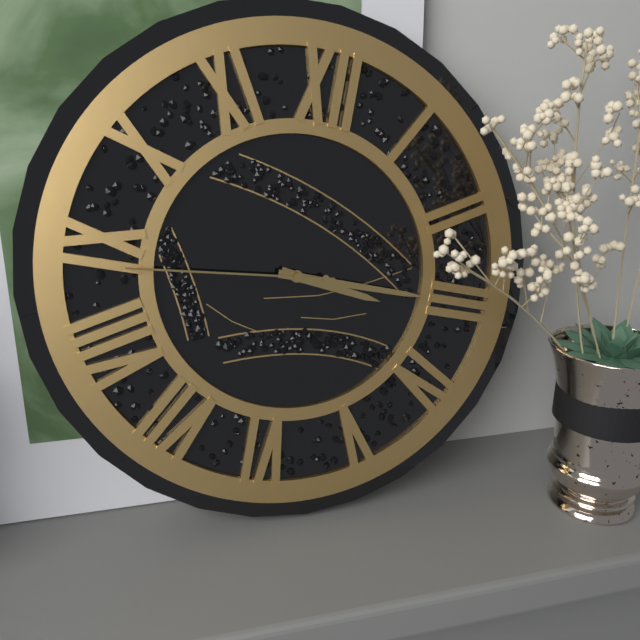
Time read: 3:15:44
